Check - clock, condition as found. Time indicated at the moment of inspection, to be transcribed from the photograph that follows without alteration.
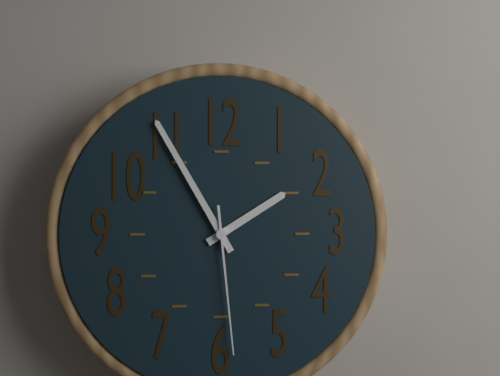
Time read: 1:55:29
